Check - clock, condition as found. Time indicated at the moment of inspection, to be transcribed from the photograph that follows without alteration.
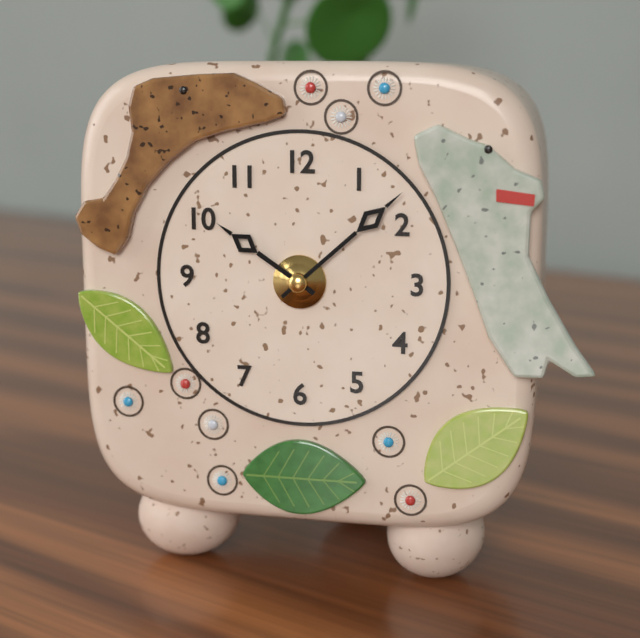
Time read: 10:08
